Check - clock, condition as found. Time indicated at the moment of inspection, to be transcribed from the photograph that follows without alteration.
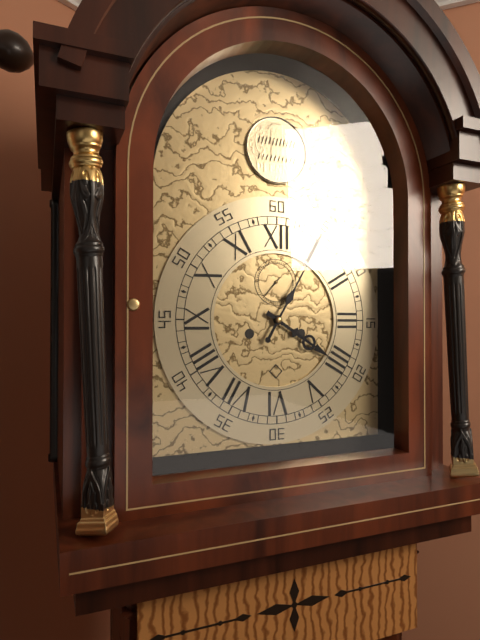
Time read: 4:05
